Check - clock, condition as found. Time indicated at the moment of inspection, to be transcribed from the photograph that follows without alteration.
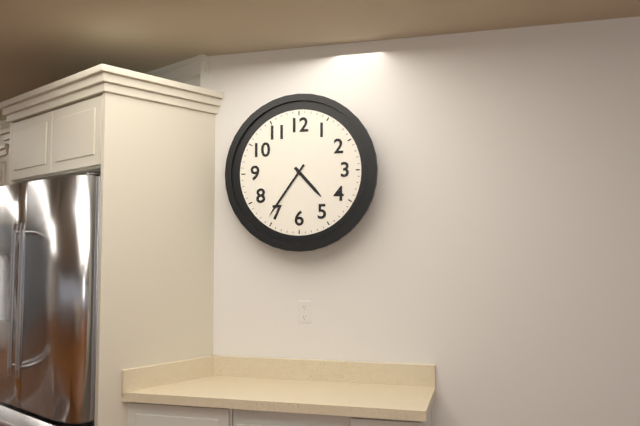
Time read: 4:36
